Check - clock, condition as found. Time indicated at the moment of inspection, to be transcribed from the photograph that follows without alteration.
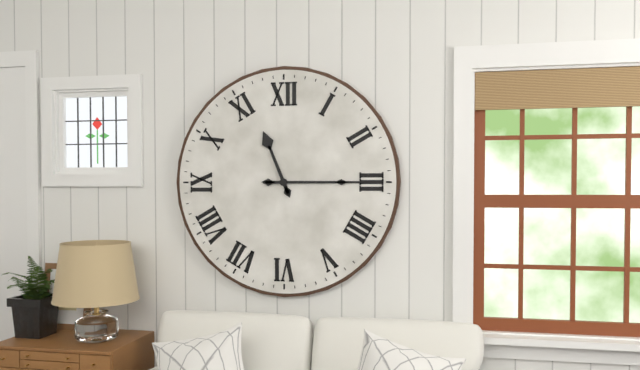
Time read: 11:15
